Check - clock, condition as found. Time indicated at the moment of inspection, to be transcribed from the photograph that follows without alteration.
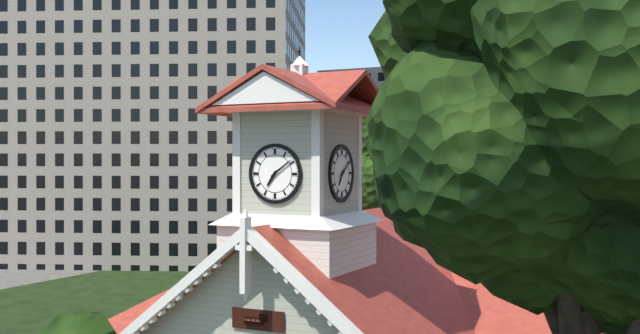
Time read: 7:09
